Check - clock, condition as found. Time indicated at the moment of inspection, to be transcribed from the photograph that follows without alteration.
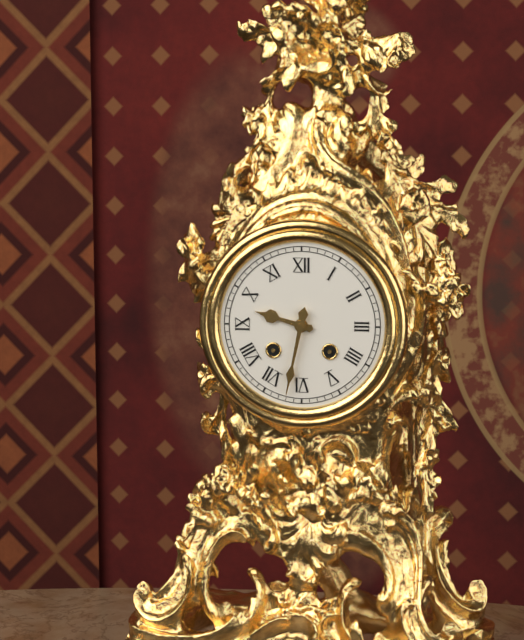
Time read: 9:32
